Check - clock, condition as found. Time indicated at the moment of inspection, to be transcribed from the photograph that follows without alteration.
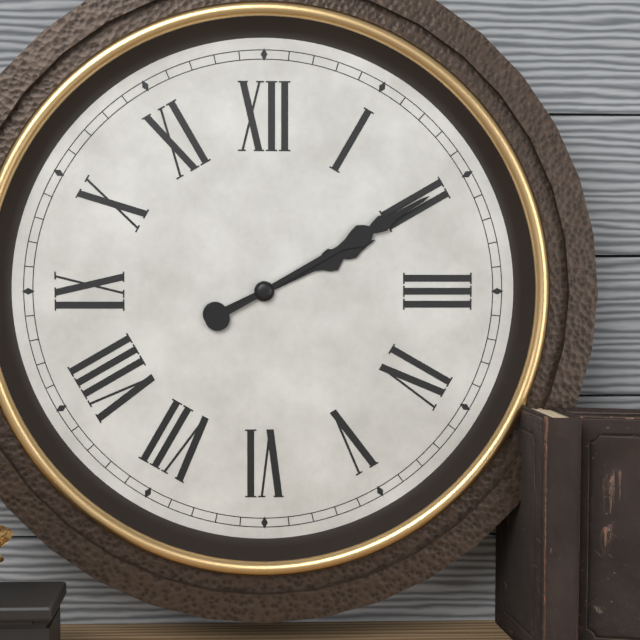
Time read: 2:10
